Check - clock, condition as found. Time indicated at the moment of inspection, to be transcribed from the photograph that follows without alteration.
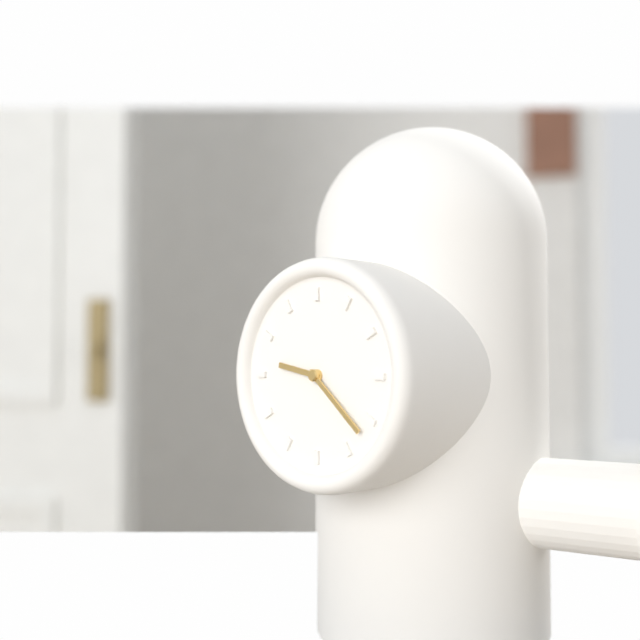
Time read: 9:22
